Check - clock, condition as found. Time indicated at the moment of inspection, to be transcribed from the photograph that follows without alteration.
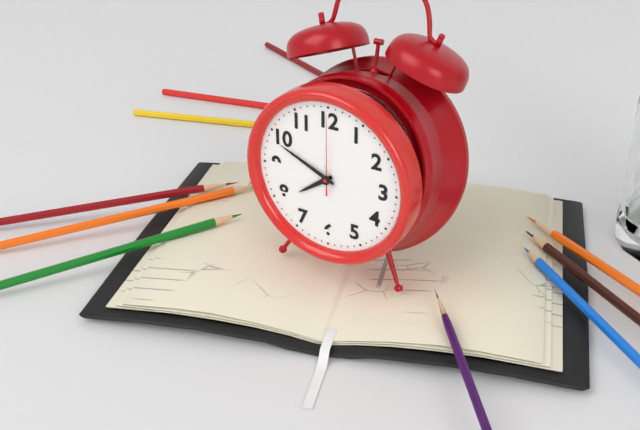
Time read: 7:49:00
